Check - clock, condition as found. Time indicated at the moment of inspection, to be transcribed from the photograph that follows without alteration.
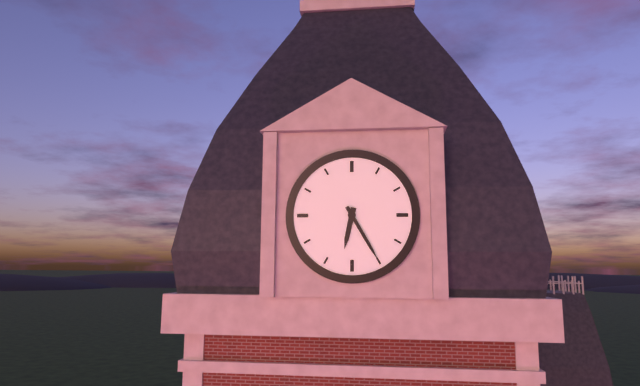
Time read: 6:25
